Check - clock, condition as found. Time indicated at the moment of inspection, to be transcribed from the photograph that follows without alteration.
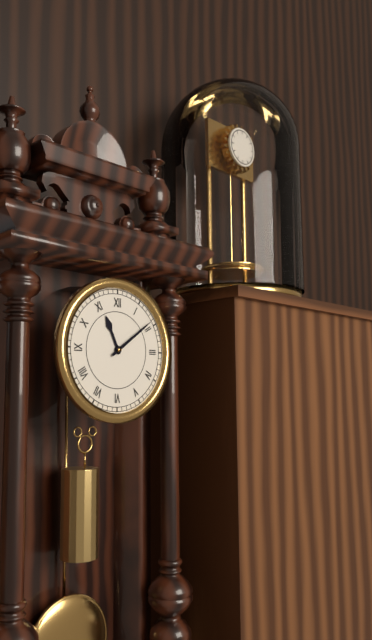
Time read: 11:09
